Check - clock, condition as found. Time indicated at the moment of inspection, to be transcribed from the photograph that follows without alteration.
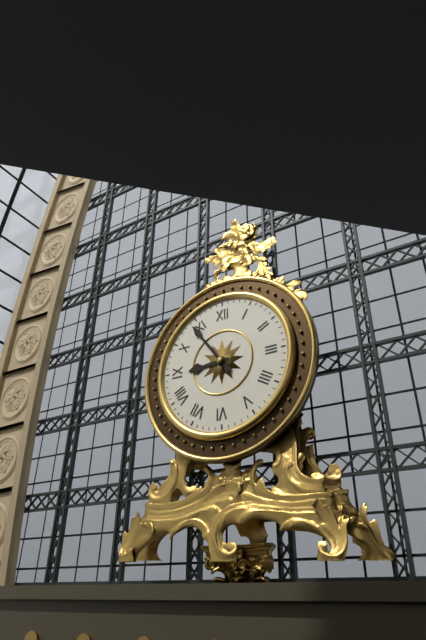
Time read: 8:54
